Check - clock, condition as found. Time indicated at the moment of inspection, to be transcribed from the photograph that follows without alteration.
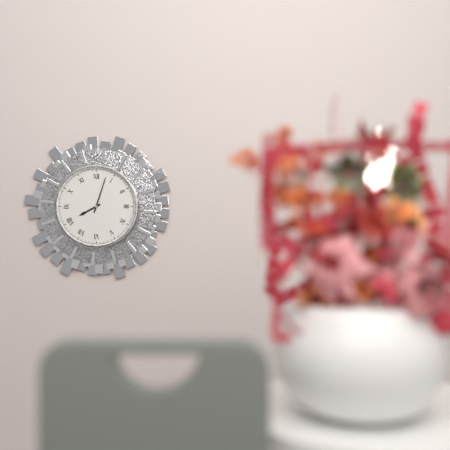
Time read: 8:03
